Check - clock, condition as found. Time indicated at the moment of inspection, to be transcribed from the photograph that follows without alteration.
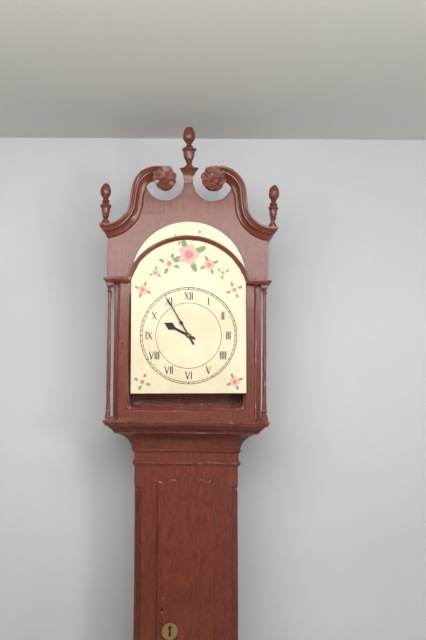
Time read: 9:55
